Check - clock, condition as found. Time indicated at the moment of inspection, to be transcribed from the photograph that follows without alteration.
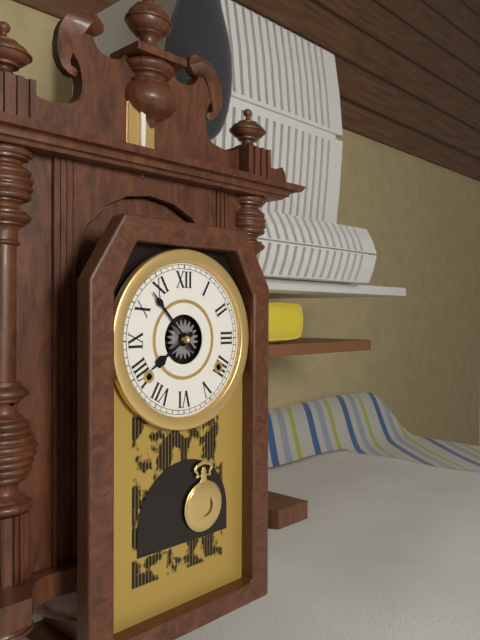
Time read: 7:53
